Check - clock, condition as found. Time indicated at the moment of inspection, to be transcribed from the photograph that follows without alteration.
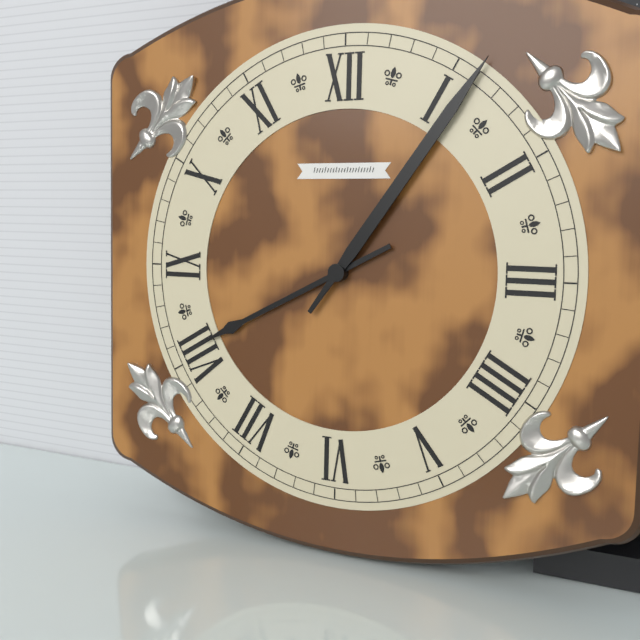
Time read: 8:06
